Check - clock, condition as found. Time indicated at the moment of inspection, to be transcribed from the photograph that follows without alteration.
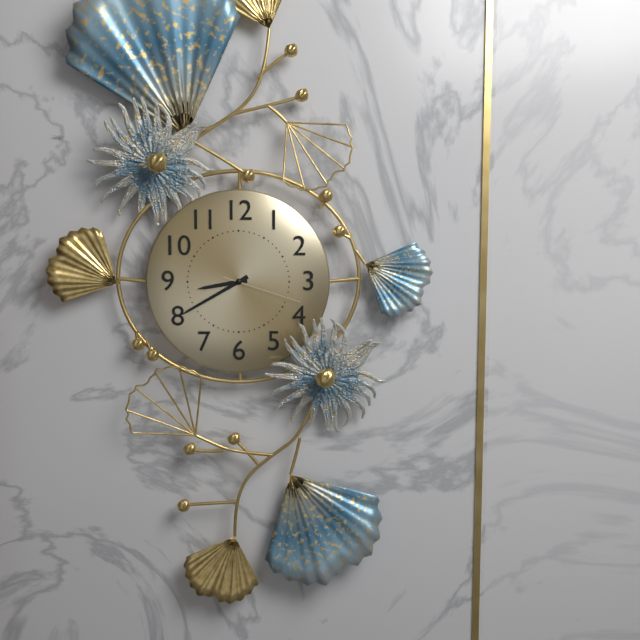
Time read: 8:40:18
